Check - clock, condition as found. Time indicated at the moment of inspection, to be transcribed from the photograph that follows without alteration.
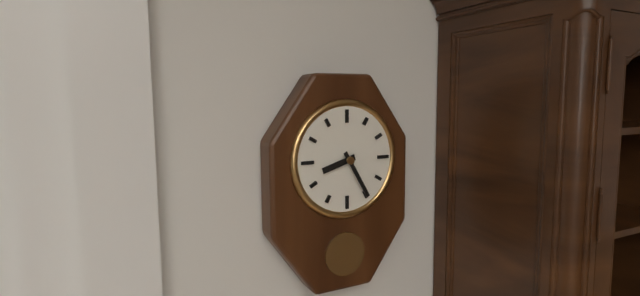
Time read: 8:25
